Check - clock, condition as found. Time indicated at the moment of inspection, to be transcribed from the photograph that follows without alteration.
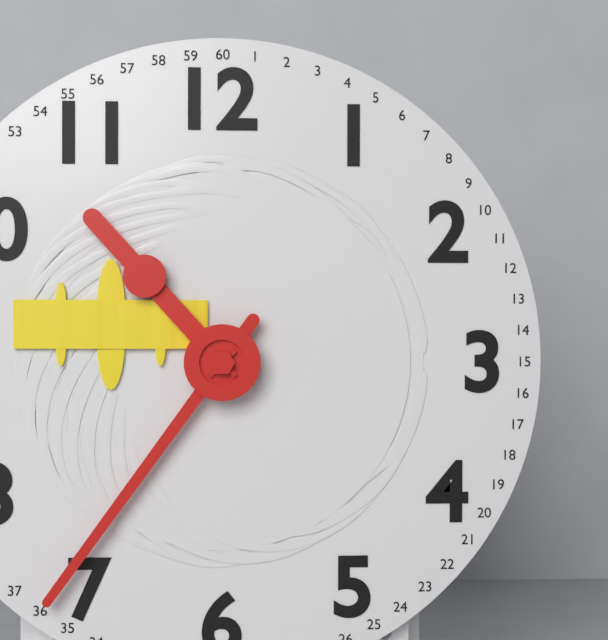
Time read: 10:36
